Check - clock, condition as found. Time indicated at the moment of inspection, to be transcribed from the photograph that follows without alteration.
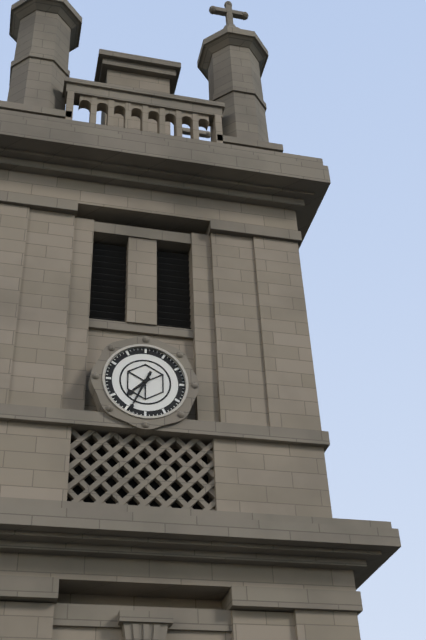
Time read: 7:34
